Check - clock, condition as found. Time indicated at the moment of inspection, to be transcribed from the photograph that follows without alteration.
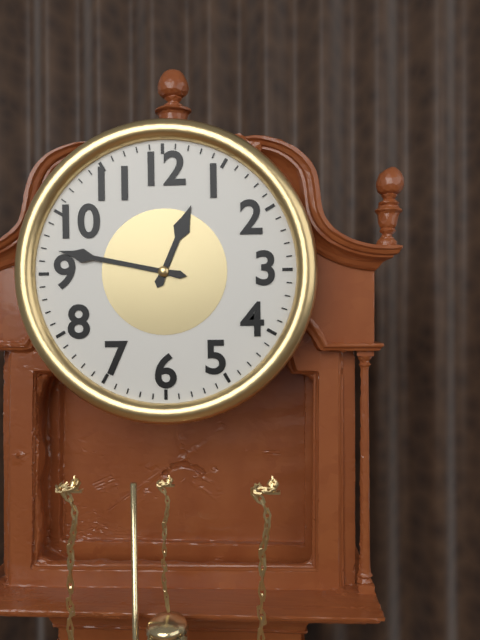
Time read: 12:47
